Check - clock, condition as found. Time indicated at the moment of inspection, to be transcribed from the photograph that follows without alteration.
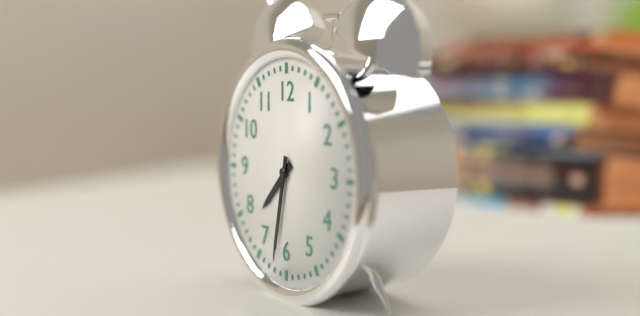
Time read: 7:32
